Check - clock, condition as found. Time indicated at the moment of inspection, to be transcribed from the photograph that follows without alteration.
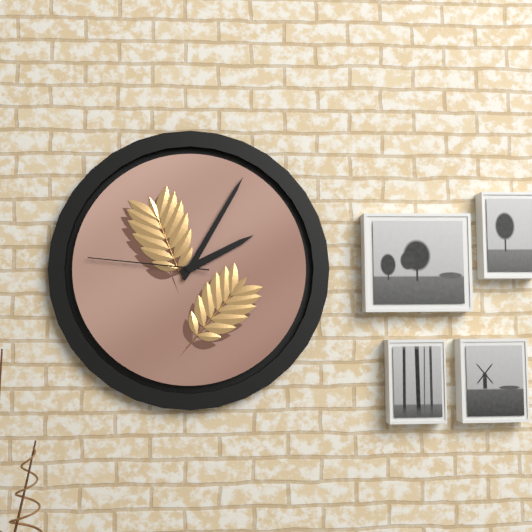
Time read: 2:05:46
